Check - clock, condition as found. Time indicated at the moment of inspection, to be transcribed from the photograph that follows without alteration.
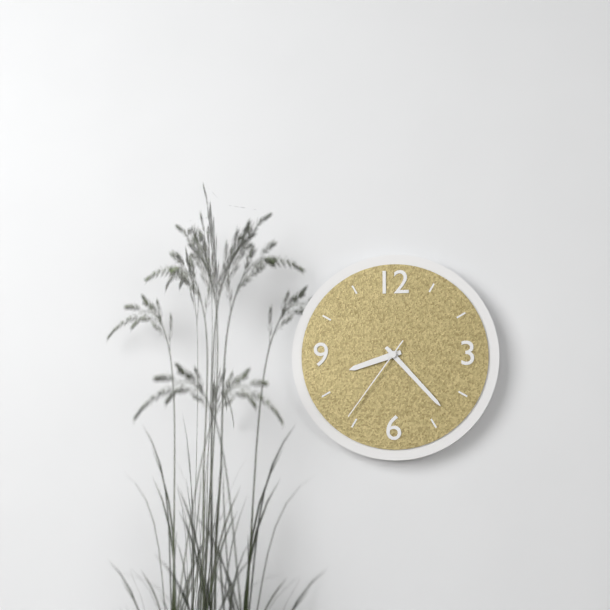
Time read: 8:23:36
